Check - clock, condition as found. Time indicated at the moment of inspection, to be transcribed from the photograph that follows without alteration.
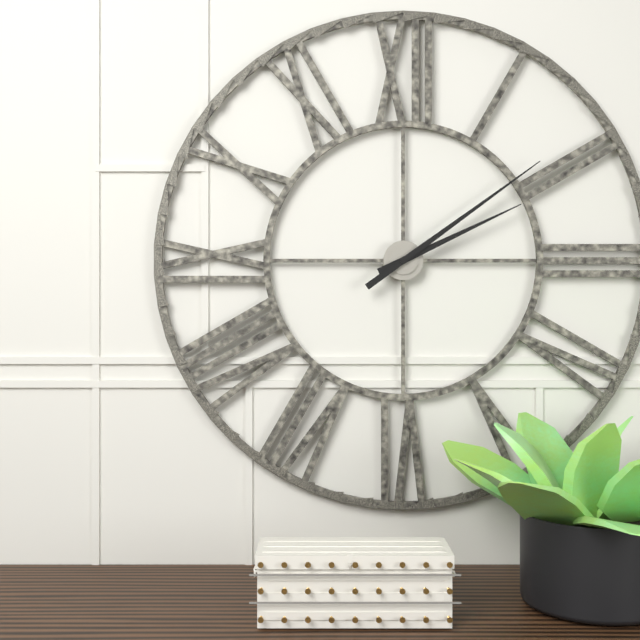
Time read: 2:09
